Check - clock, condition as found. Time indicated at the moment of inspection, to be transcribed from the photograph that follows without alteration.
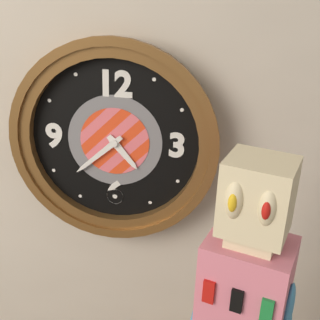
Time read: 4:38
